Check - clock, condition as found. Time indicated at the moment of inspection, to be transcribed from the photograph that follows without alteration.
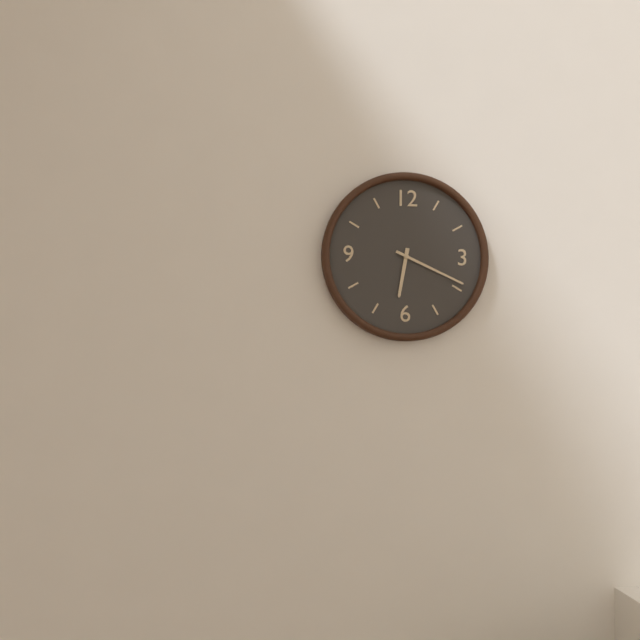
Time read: 6:19
